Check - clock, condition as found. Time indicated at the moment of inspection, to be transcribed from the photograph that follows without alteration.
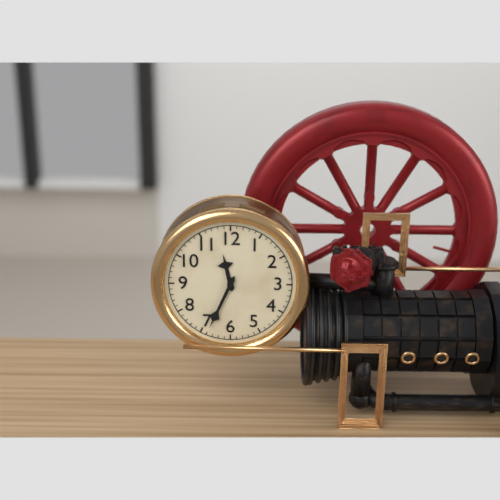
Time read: 11:34
